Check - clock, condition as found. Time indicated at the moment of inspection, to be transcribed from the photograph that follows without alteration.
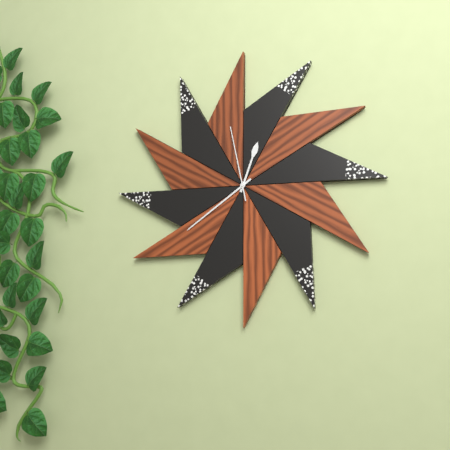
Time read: 12:39:58
